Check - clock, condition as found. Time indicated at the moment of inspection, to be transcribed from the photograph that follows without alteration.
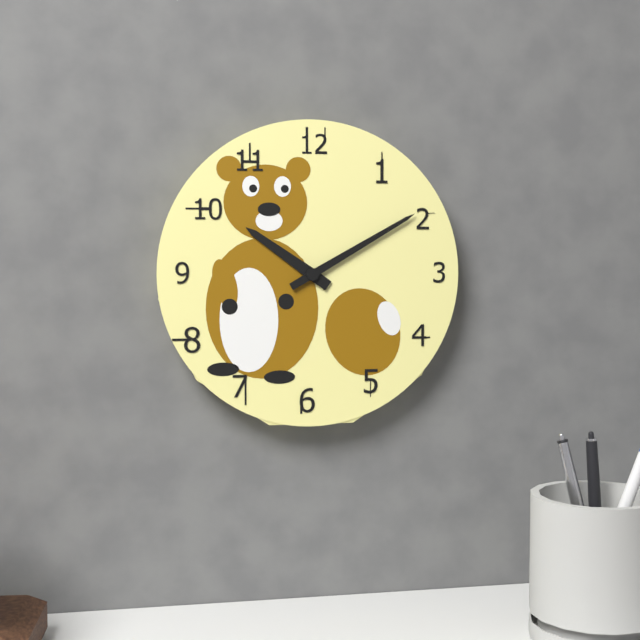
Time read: 10:10
